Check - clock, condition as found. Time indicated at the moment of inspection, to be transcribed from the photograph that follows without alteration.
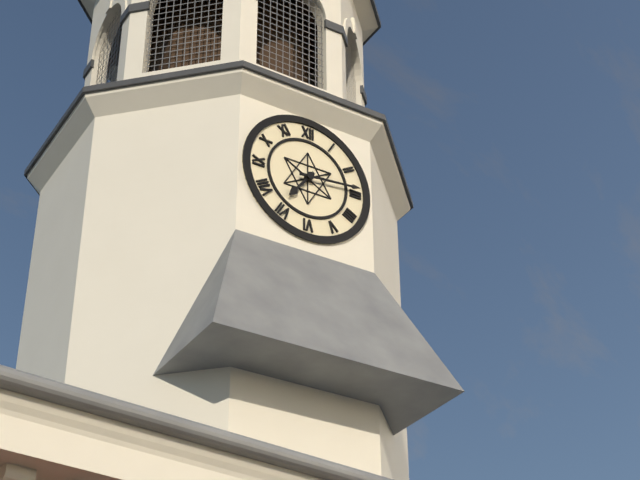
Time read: 7:14
